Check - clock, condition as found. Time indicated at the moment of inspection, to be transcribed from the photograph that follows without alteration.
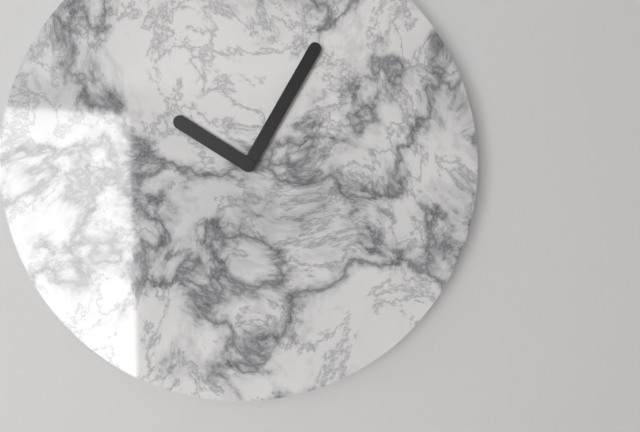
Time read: 10:05
